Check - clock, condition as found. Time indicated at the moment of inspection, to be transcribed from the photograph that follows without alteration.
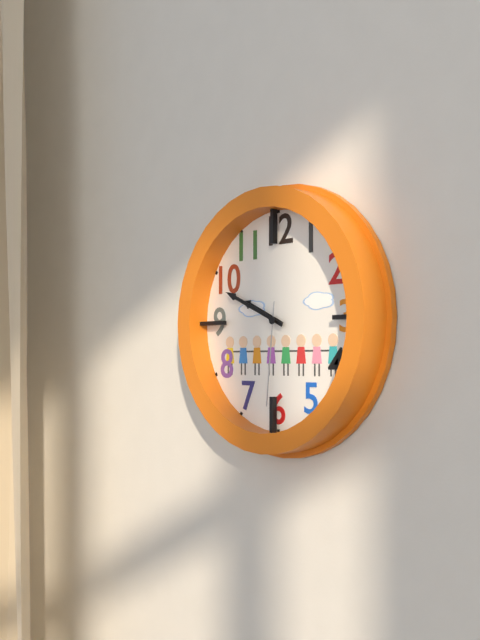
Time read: 9:49:31
